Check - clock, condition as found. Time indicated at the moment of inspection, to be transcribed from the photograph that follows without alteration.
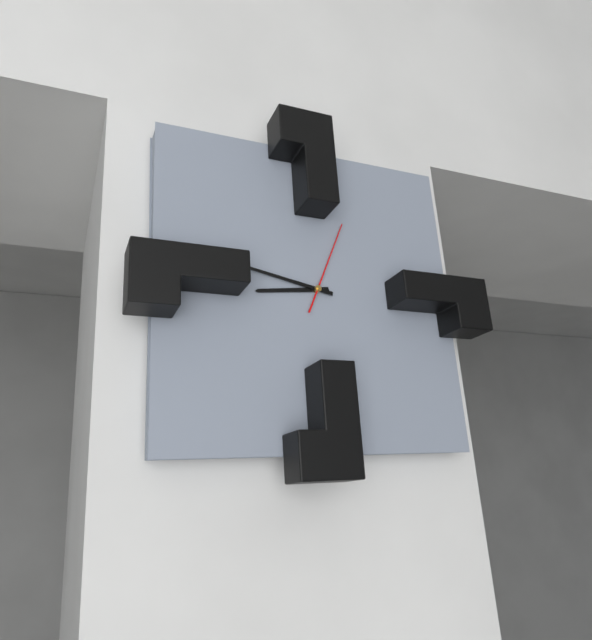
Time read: 8:47:04
